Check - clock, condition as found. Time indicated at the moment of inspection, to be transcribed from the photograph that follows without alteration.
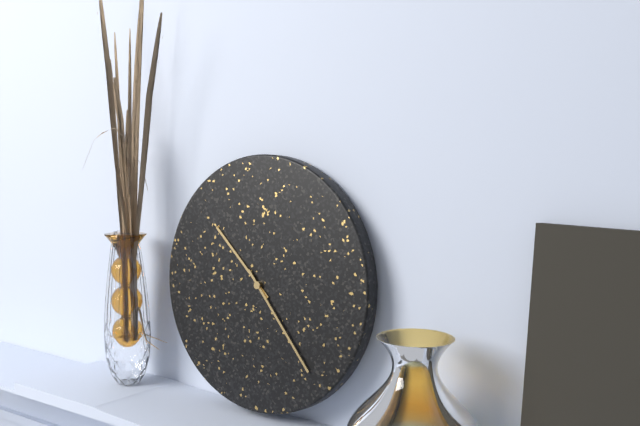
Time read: 10:23
